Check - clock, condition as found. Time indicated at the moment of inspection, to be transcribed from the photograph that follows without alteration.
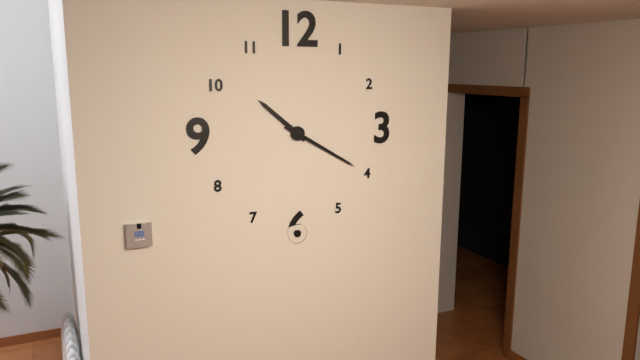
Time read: 10:20
